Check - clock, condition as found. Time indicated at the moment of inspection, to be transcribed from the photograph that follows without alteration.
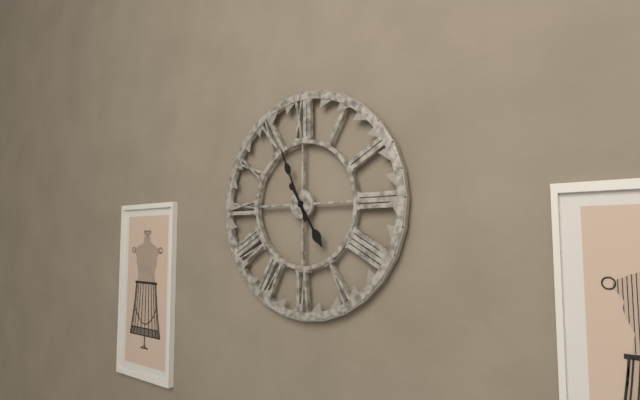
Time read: 4:56
